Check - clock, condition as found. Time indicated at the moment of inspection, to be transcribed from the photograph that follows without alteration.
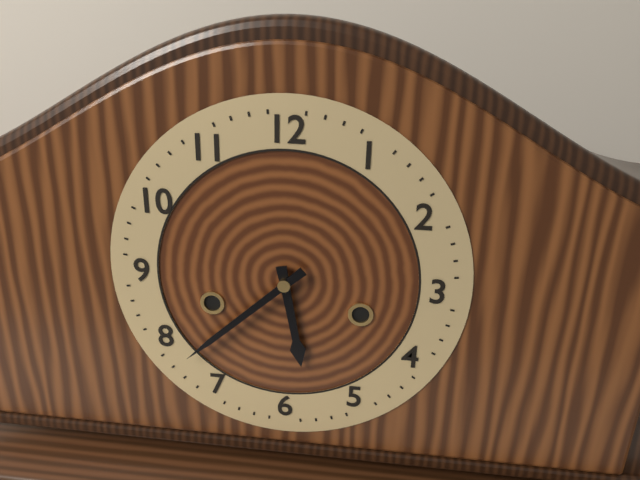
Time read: 5:38
